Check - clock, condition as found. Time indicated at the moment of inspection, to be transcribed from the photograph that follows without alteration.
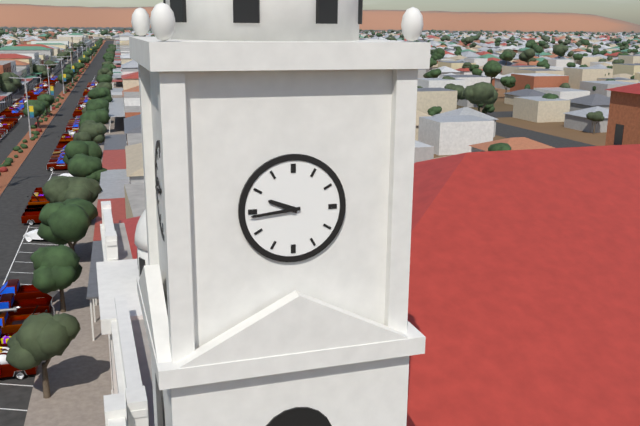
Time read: 9:44
